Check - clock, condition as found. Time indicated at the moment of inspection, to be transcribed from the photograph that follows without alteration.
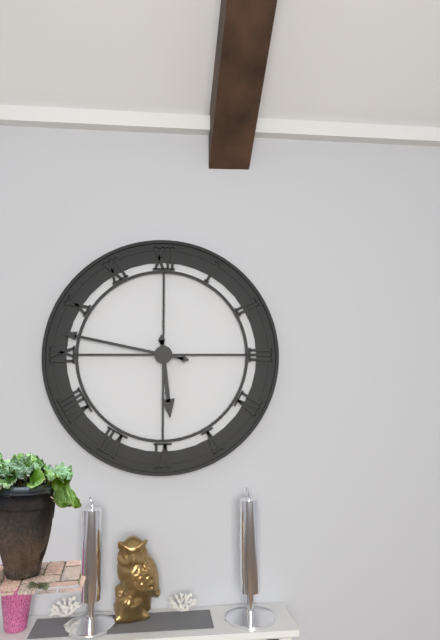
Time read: 5:47
